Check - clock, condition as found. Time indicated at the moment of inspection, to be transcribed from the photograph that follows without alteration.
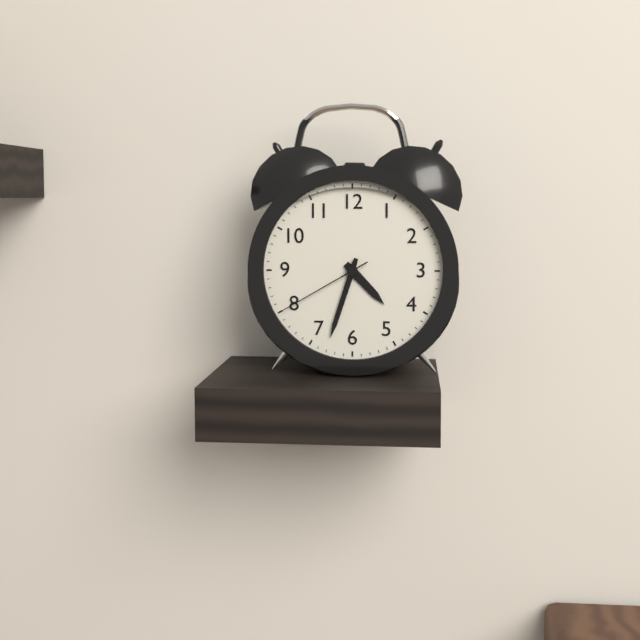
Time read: 4:33:40
